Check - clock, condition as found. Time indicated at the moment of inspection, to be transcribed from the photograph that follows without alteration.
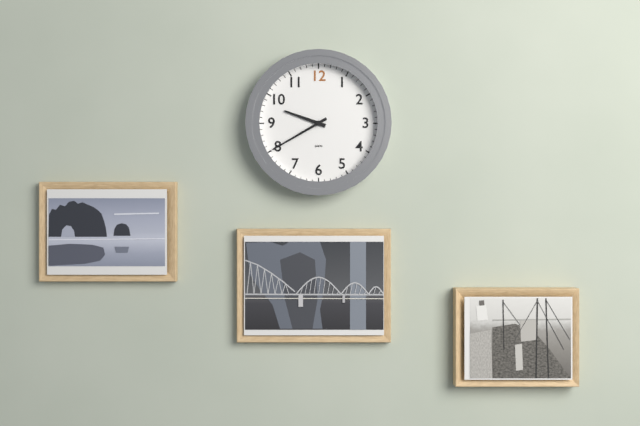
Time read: 9:40
